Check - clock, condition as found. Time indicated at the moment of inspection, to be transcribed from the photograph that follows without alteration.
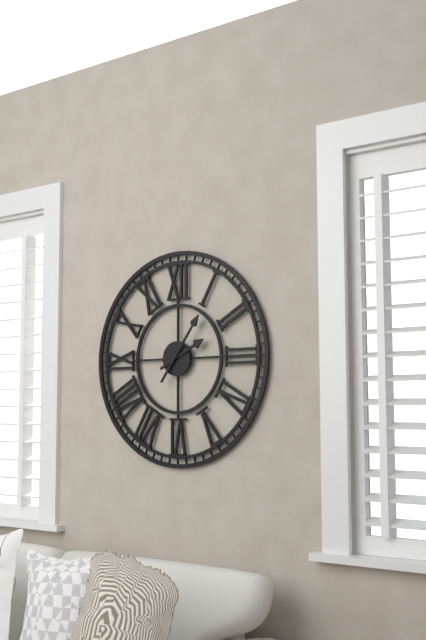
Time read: 2:06
